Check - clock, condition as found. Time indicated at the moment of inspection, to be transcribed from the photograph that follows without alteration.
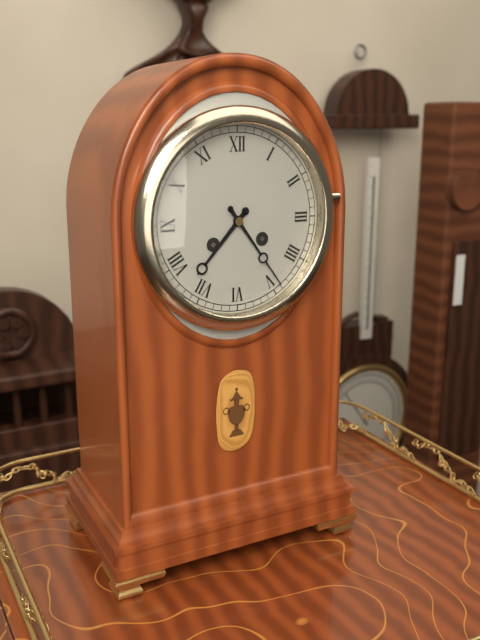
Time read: 7:24
